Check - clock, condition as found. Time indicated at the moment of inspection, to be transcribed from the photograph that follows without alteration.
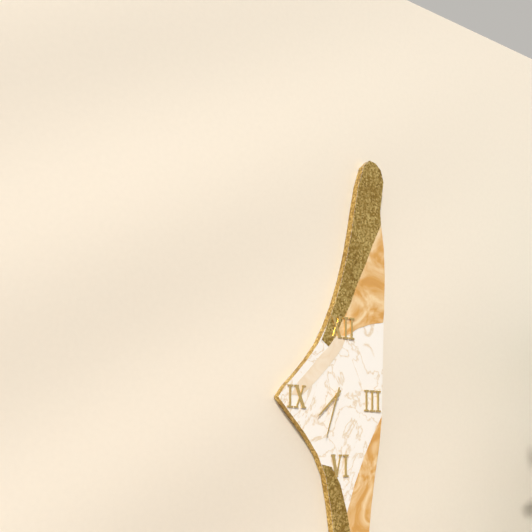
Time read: 7:33
